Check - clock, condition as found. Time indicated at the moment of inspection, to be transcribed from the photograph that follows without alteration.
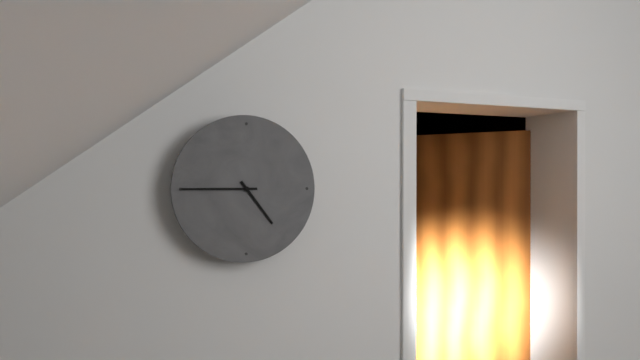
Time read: 4:45
